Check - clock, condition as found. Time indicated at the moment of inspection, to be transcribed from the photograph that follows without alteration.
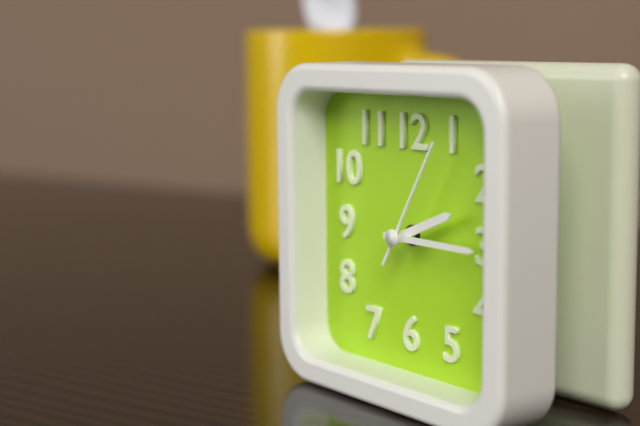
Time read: 2:15:05
